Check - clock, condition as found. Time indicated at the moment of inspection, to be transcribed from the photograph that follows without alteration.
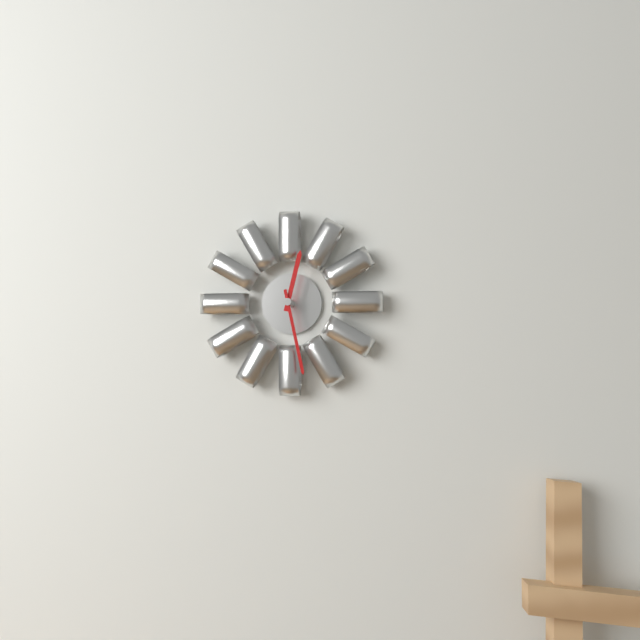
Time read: 12:28
